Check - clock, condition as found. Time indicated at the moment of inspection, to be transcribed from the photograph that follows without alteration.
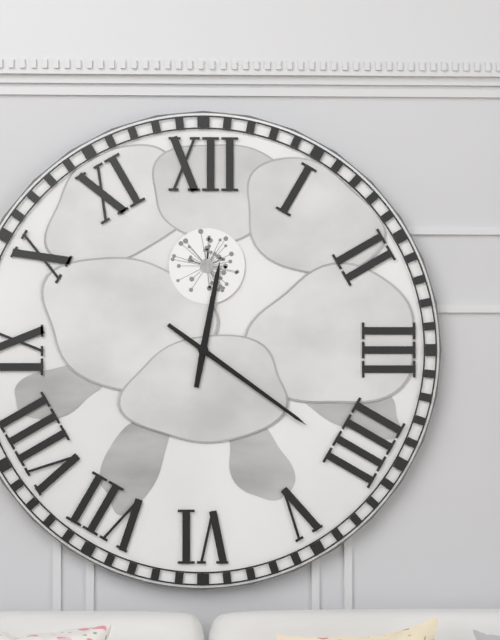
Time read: 12:21
